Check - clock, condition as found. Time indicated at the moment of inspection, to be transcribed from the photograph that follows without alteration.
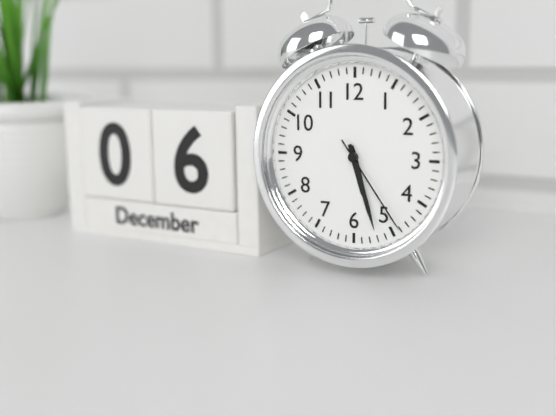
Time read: 5:27:24
